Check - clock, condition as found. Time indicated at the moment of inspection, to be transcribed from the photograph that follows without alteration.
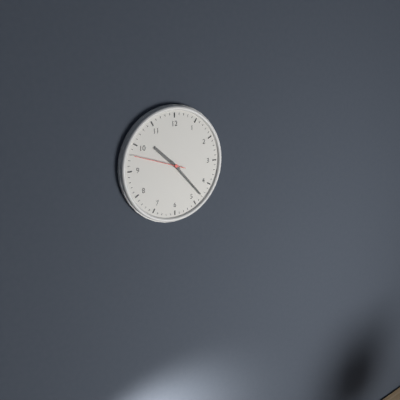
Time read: 10:23:48
